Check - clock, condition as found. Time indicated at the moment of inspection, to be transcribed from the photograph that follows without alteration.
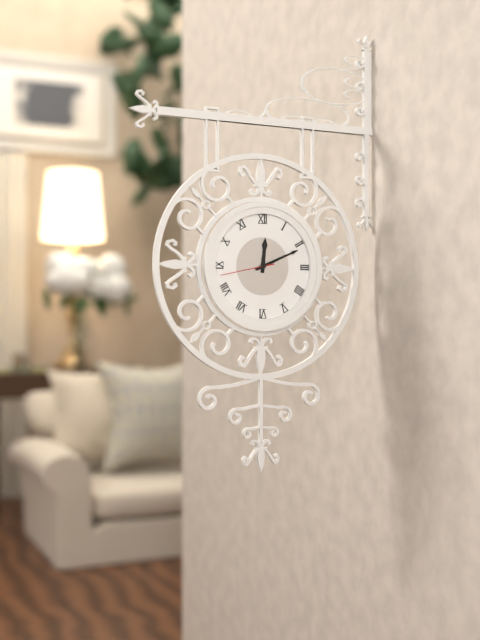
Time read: 12:11:43
